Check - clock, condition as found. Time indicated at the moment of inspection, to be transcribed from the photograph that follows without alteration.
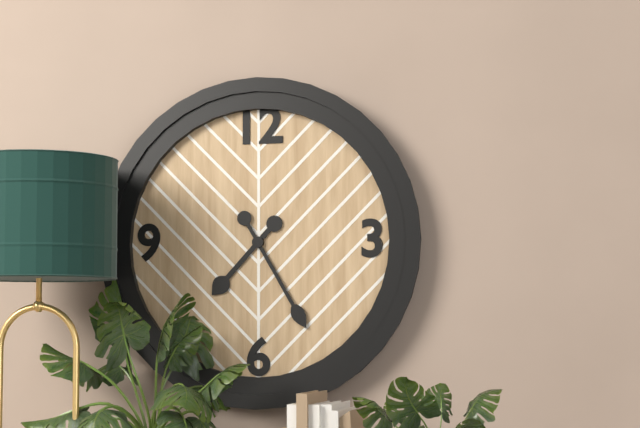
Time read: 7:25
